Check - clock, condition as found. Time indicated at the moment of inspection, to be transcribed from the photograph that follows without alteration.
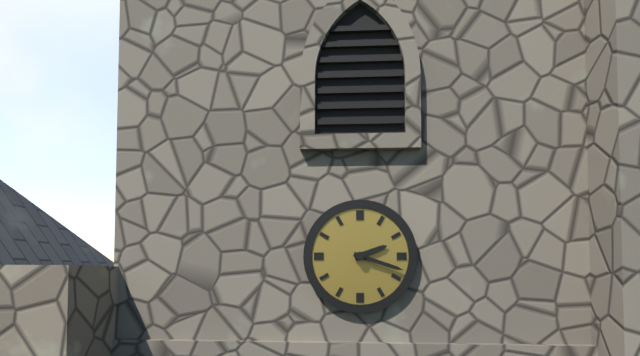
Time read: 2:18
